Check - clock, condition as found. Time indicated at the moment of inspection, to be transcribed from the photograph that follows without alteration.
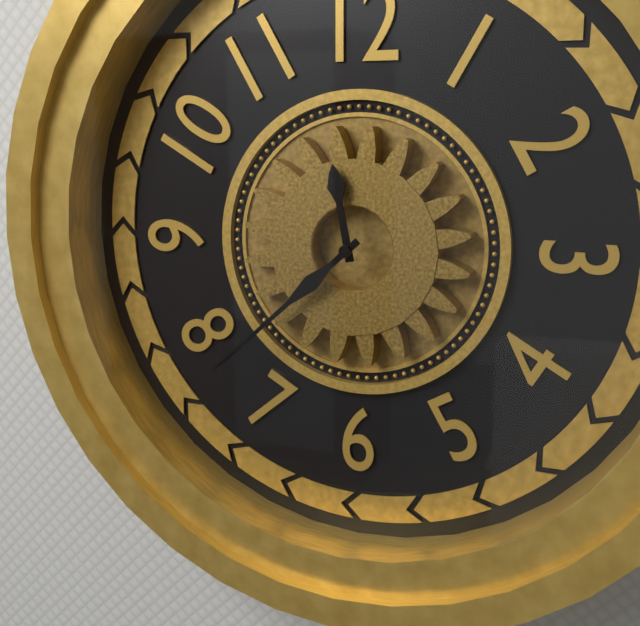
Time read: 11:38
